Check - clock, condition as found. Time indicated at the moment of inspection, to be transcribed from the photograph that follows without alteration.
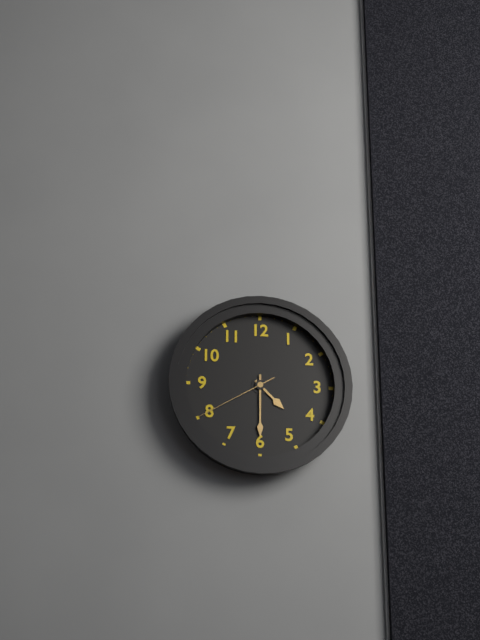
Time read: 4:30:40
